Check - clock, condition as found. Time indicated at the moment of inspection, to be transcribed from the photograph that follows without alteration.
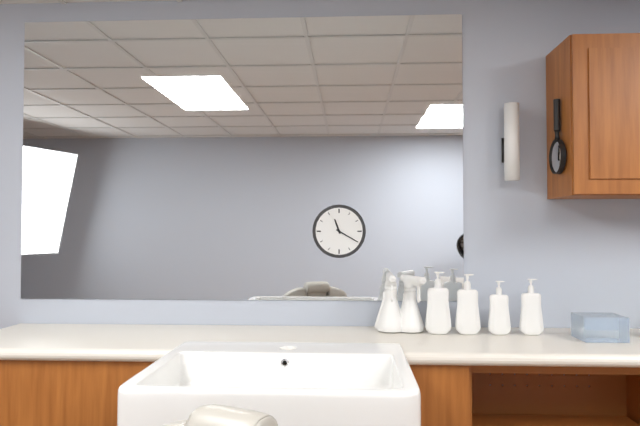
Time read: 11:20
